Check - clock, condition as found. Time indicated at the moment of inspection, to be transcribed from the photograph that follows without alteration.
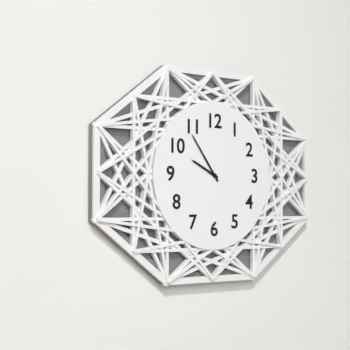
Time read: 9:54
